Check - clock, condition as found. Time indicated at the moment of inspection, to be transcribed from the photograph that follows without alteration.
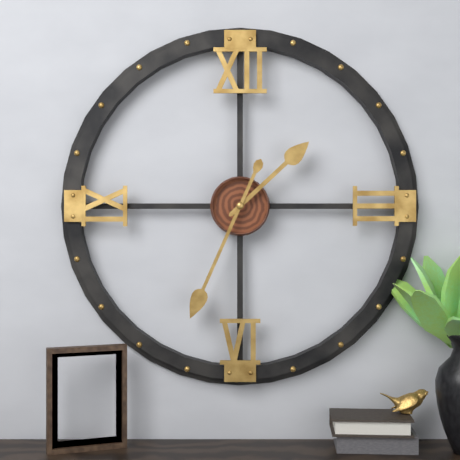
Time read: 1:34
